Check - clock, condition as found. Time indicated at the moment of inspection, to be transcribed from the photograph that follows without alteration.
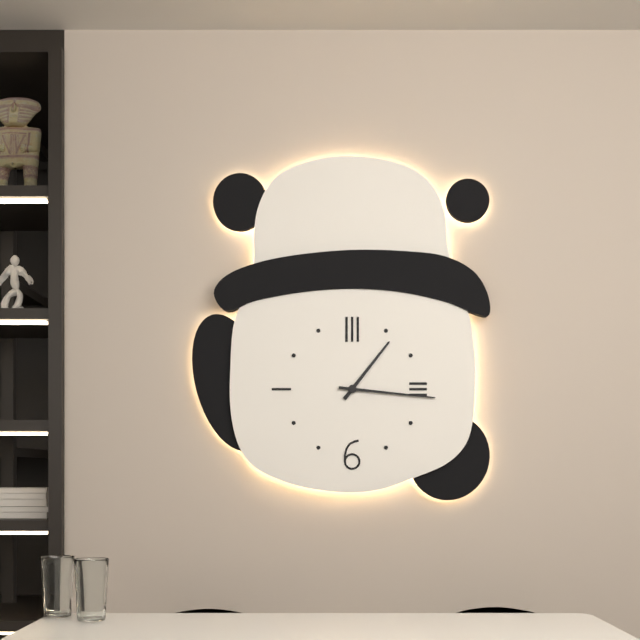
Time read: 1:16
